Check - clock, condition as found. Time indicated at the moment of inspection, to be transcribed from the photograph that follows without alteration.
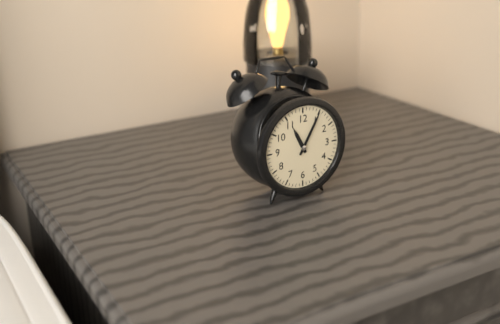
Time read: 11:05
